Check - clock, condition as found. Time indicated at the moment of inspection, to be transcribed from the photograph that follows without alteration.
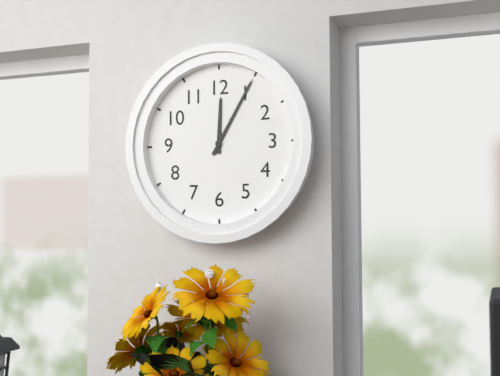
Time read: 12:05
